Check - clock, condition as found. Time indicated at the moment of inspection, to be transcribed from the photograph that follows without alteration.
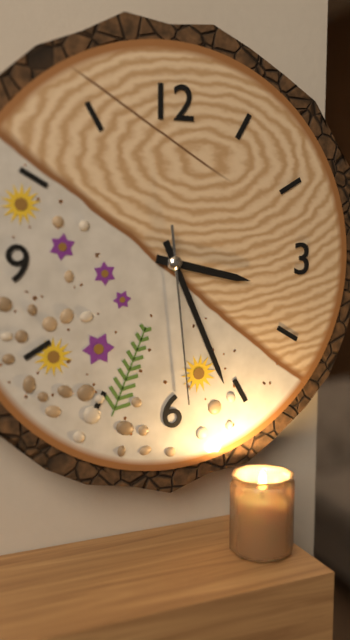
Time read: 3:26:29
